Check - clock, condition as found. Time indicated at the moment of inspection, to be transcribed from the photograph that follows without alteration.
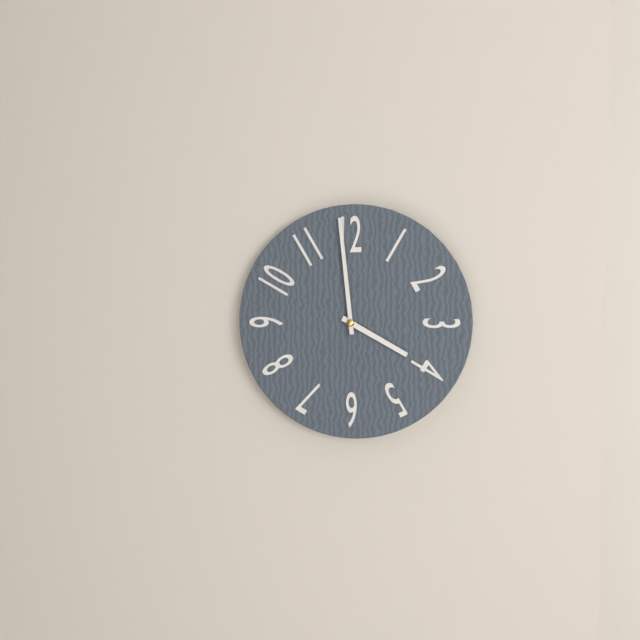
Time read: 3:59
